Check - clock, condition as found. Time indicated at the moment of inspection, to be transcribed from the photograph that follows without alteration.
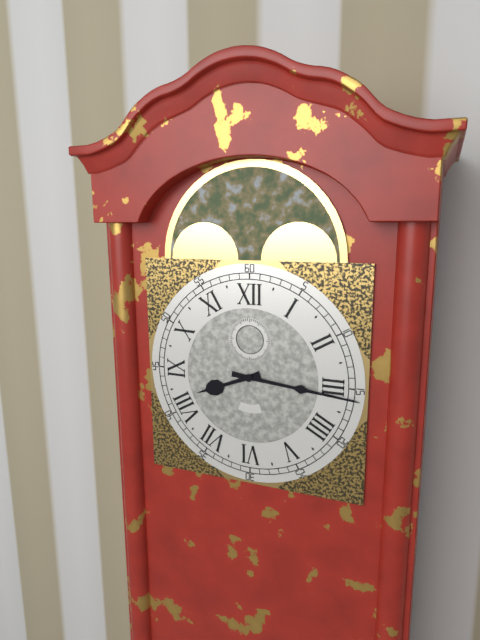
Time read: 8:16
